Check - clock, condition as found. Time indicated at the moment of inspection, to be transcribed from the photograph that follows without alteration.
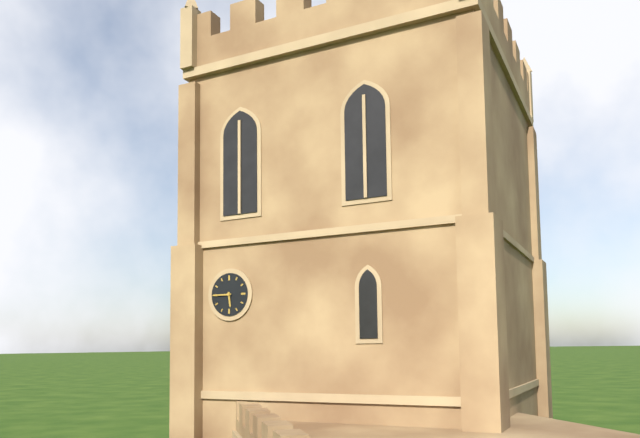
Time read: 5:45
